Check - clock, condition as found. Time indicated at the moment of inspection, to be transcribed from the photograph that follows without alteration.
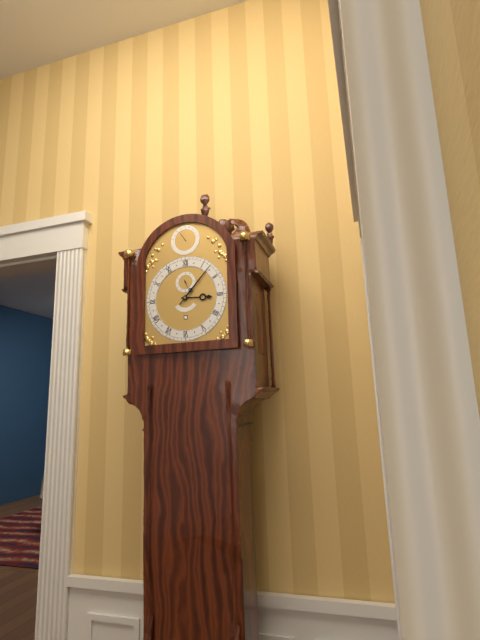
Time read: 3:07
